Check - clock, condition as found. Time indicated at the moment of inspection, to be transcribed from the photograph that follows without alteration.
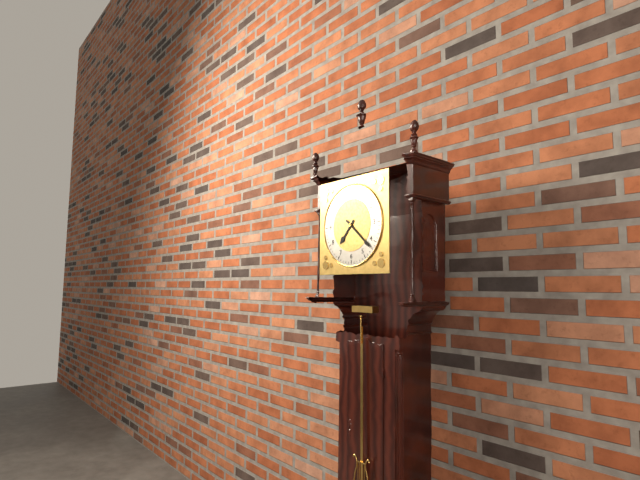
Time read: 7:22
